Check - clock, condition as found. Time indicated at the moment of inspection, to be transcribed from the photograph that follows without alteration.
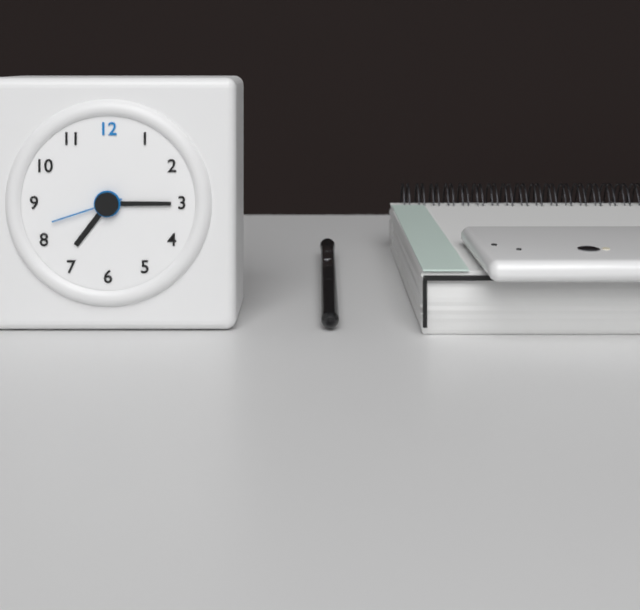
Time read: 7:15:42
